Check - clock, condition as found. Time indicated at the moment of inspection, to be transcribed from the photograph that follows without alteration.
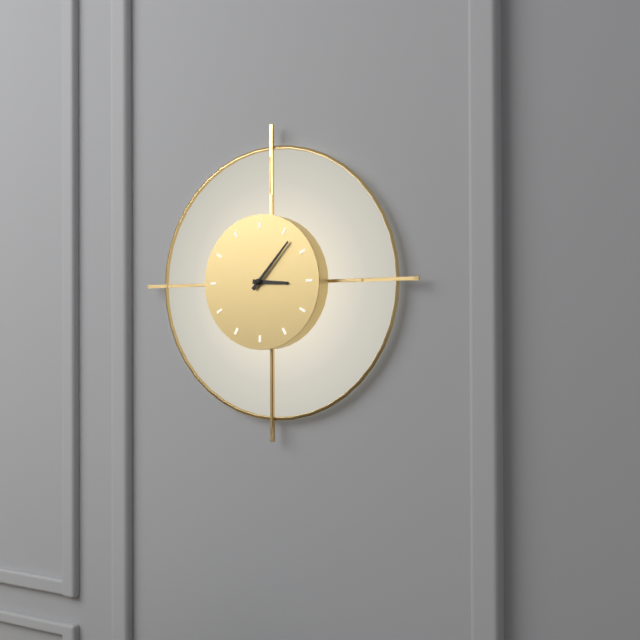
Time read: 3:07
